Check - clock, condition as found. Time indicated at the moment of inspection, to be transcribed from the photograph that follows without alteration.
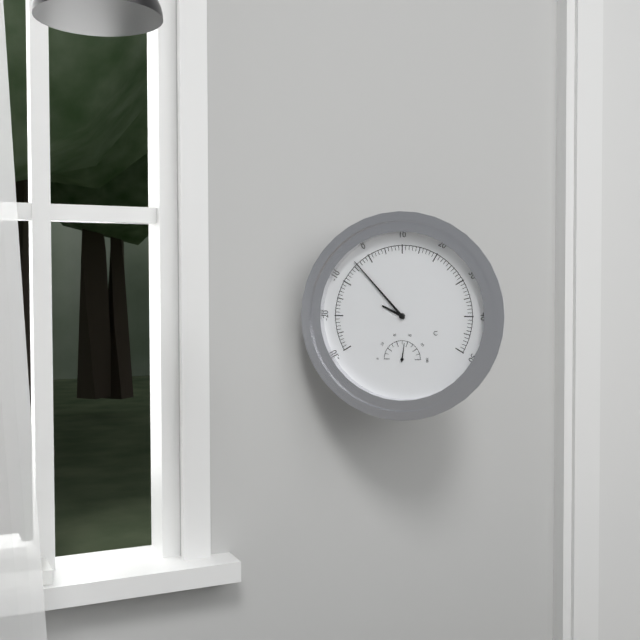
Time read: 9:53
